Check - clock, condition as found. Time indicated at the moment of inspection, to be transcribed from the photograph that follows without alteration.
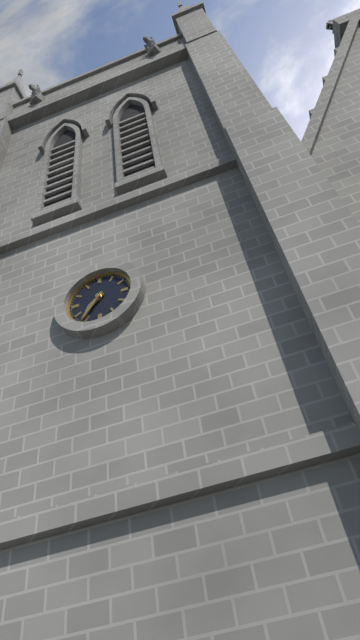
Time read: 7:36
